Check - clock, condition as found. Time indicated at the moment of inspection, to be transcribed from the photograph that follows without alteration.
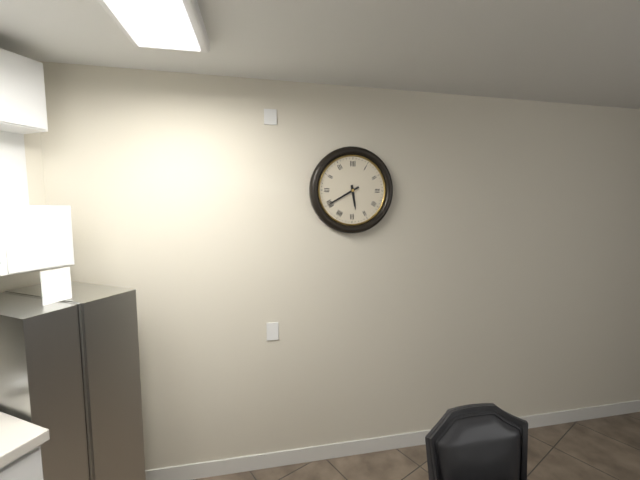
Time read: 5:40
